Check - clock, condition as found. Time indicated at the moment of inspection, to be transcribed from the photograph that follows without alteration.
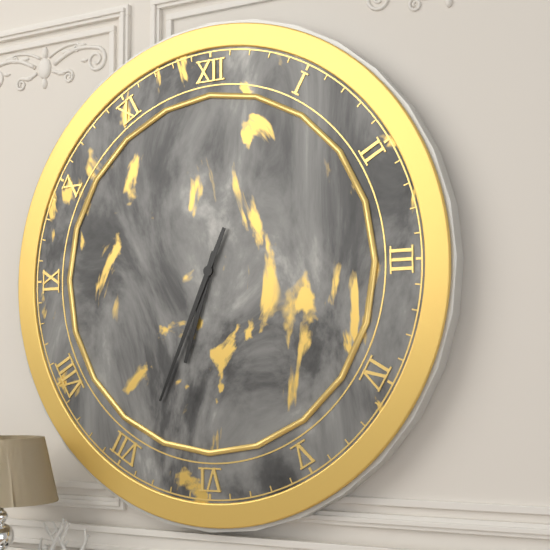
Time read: 6:34
